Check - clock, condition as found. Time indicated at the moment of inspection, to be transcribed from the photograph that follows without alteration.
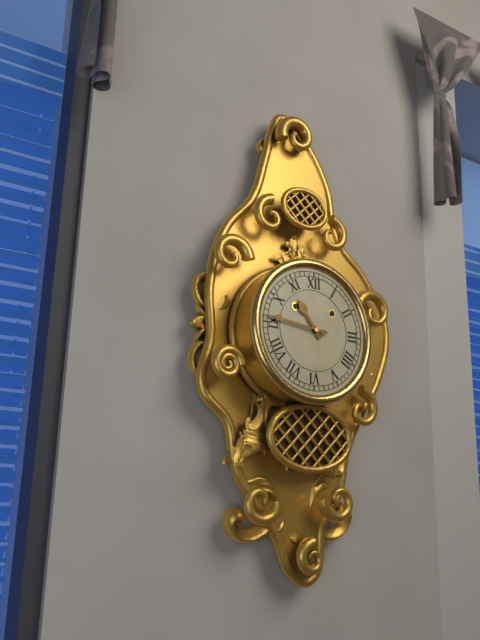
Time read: 10:46
